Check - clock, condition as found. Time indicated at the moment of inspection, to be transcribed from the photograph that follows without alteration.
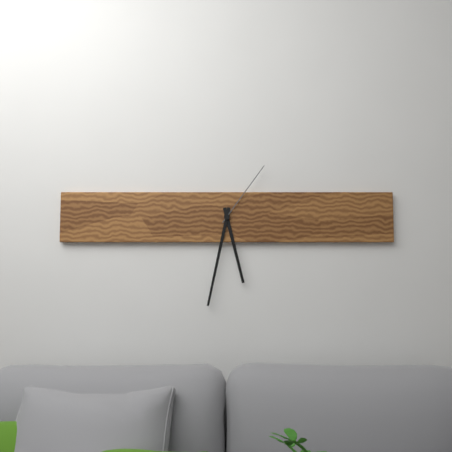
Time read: 5:32:06
